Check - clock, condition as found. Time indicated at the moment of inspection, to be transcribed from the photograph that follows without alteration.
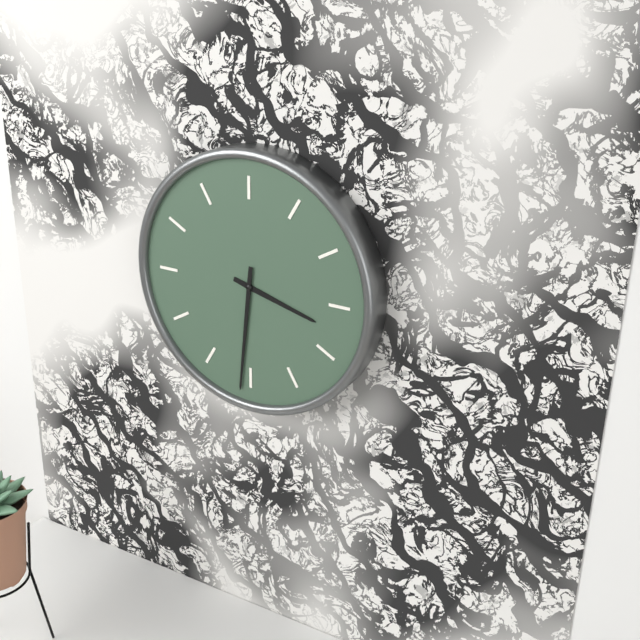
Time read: 3:31
